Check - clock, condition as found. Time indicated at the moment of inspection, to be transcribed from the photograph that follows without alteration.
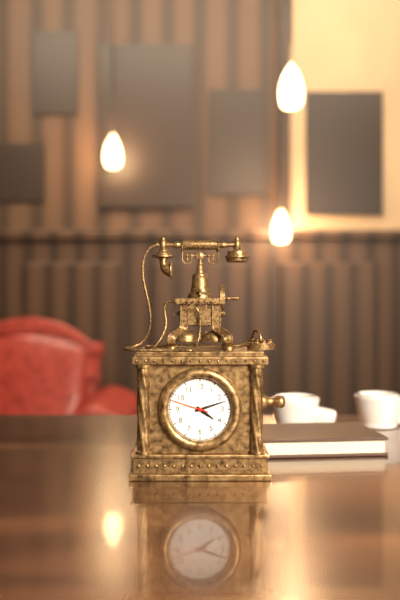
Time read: 4:12
